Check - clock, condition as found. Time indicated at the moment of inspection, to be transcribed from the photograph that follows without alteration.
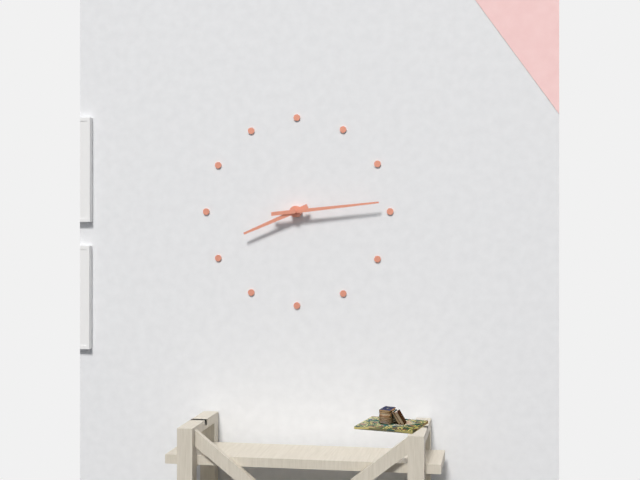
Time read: 8:14
